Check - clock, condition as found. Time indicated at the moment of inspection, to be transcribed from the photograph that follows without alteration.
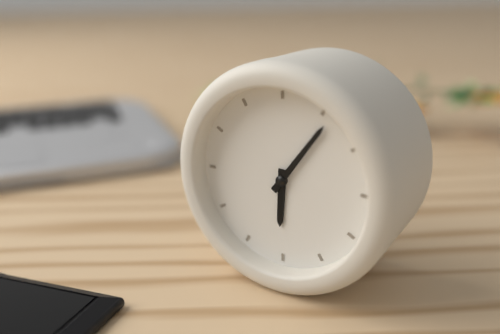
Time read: 6:06
